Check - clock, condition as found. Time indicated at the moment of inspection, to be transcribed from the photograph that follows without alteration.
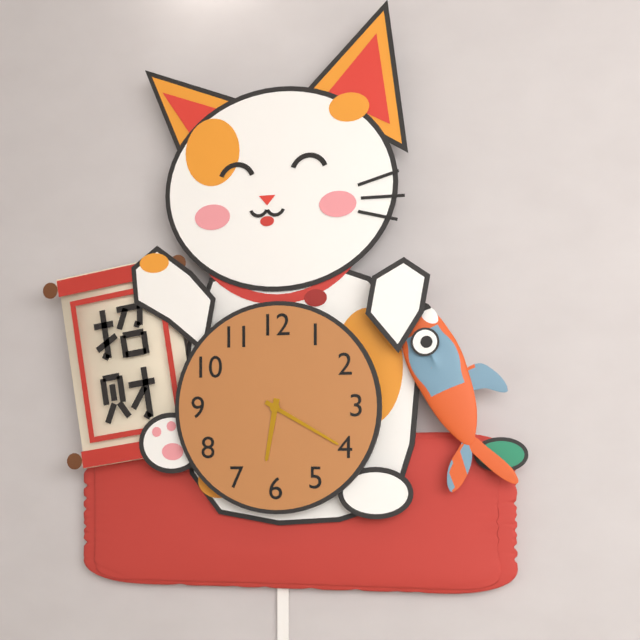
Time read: 6:20
